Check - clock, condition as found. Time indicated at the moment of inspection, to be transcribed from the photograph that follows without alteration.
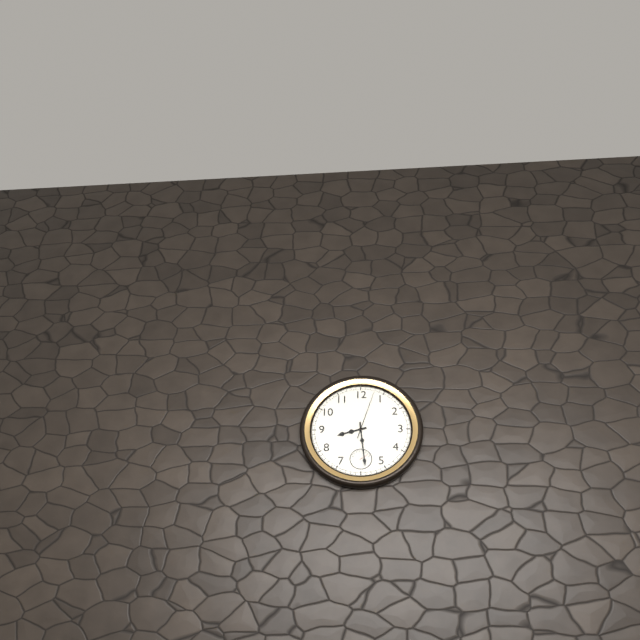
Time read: 8:29
